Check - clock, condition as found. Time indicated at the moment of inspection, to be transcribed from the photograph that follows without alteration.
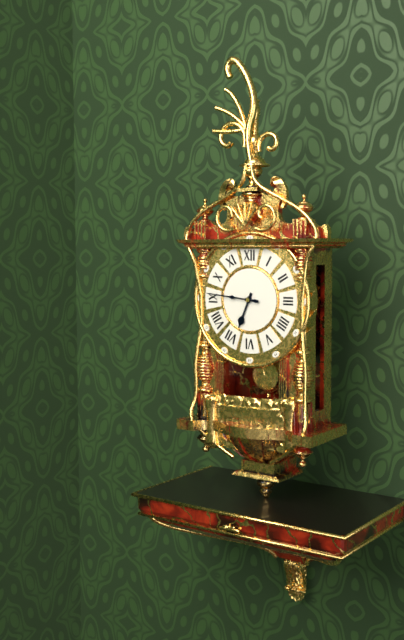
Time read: 6:46
